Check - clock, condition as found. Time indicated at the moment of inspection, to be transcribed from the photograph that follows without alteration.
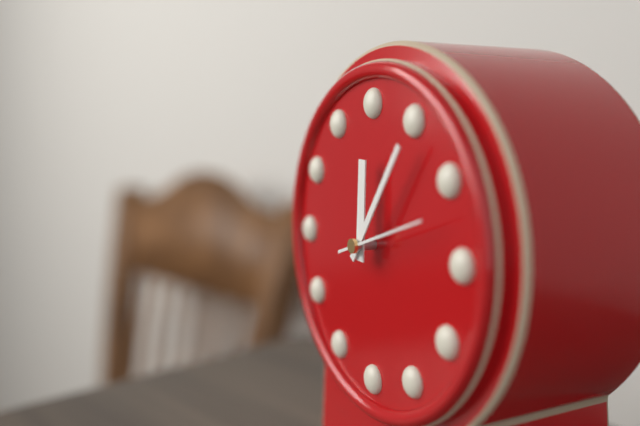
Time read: 12:06:12
